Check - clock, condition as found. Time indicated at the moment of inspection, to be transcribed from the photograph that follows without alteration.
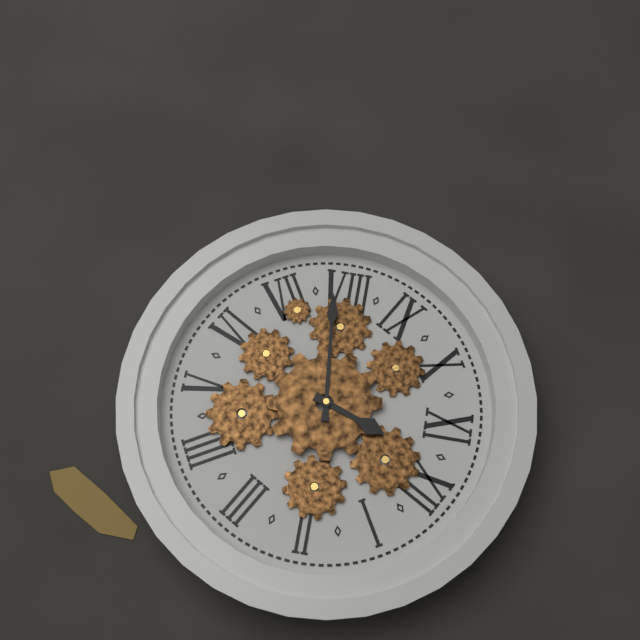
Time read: 11:39
